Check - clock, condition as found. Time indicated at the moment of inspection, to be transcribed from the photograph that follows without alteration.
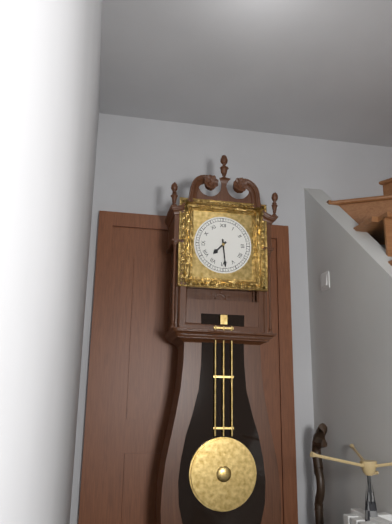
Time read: 7:29
